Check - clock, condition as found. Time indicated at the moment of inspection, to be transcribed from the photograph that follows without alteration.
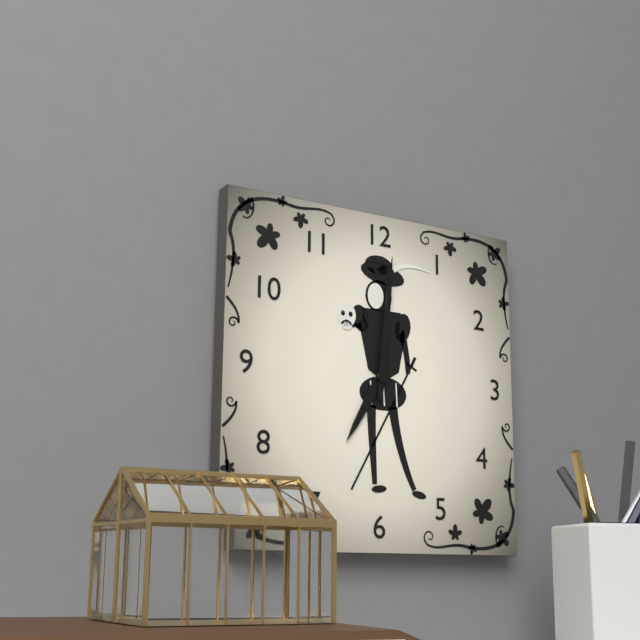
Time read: 7:01
